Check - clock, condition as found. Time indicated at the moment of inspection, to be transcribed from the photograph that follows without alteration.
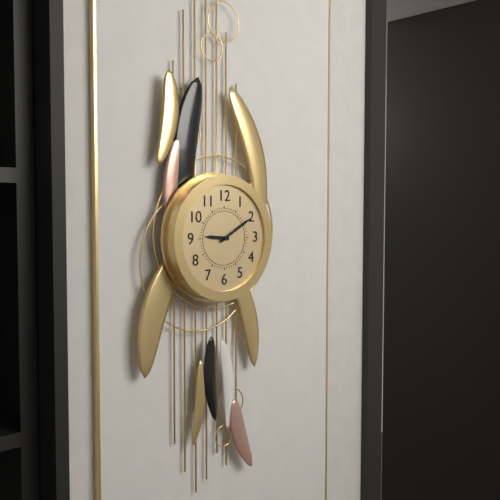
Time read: 9:10
